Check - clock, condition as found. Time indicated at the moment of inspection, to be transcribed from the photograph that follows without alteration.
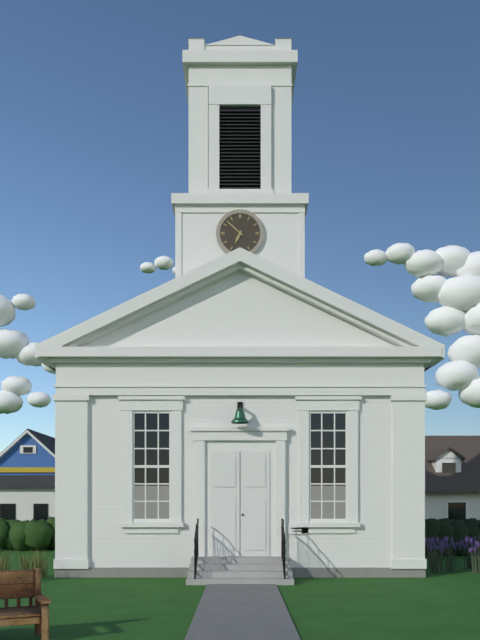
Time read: 6:52
